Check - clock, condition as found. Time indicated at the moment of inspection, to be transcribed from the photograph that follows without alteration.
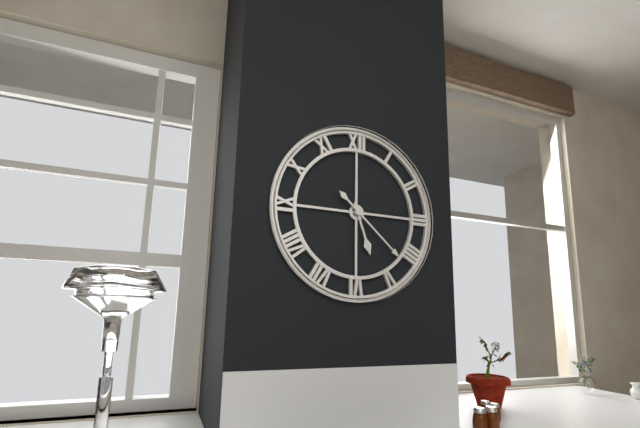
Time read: 5:22
